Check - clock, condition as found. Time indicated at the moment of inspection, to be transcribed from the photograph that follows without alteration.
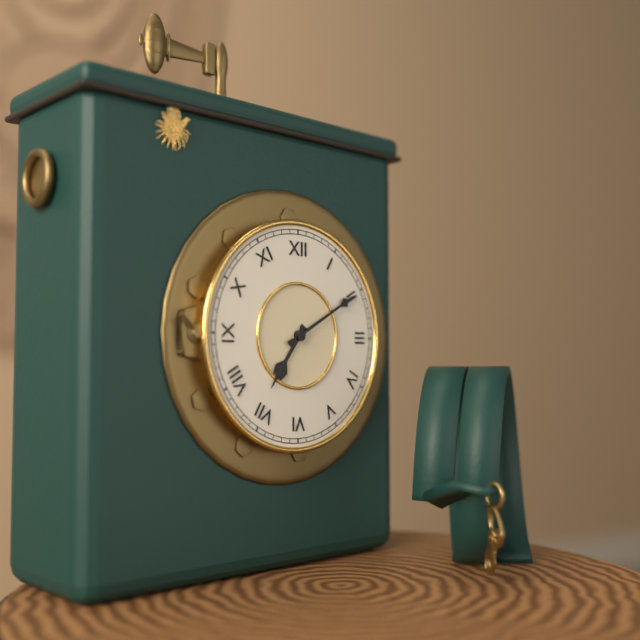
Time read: 7:10
